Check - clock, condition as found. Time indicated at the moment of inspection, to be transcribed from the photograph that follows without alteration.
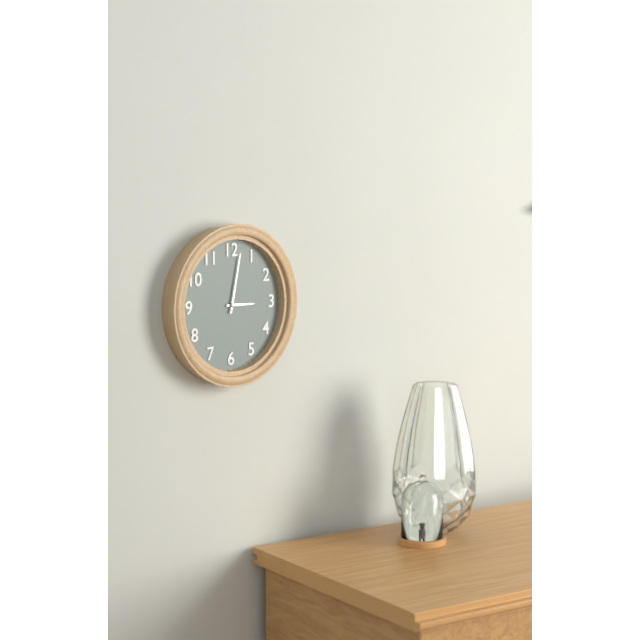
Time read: 3:02
